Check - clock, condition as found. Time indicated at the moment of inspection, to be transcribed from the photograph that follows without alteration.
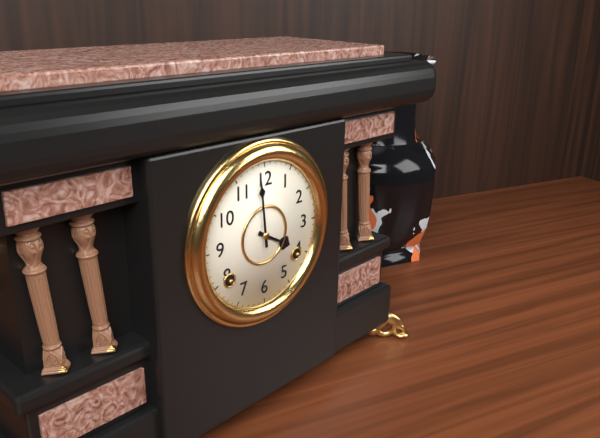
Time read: 3:59
